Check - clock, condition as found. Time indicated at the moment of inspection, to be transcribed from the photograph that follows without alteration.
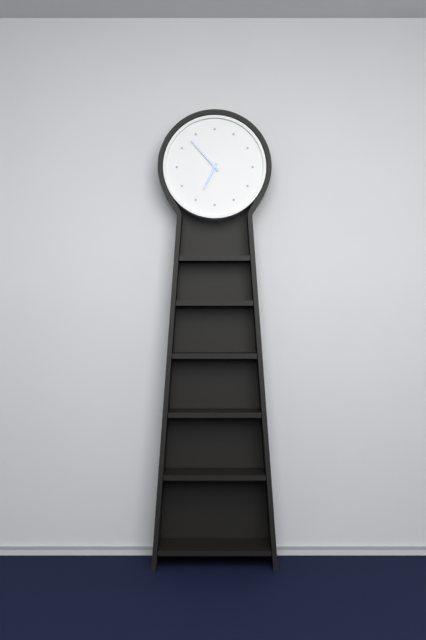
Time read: 6:53
